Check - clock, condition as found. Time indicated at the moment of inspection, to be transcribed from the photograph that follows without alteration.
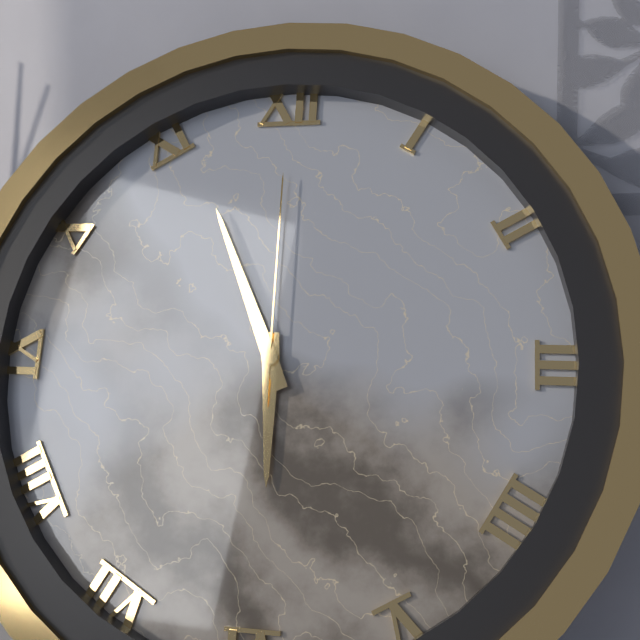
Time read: 5:56:00
